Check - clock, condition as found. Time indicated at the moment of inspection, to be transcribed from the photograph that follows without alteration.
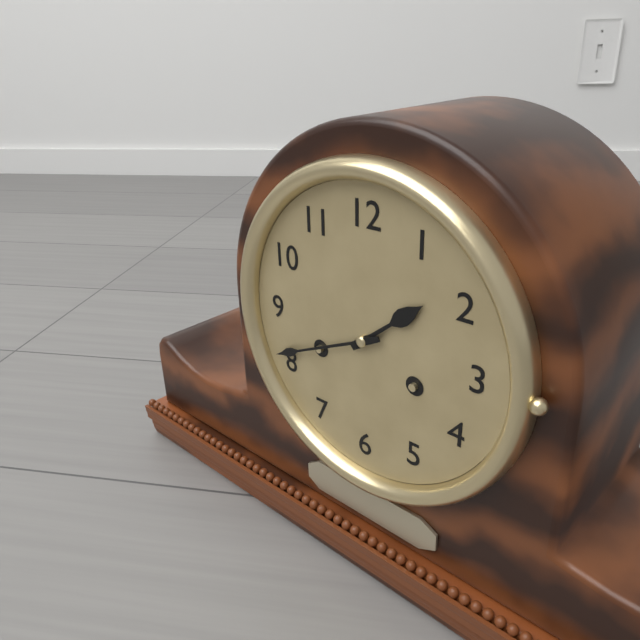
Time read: 1:41
